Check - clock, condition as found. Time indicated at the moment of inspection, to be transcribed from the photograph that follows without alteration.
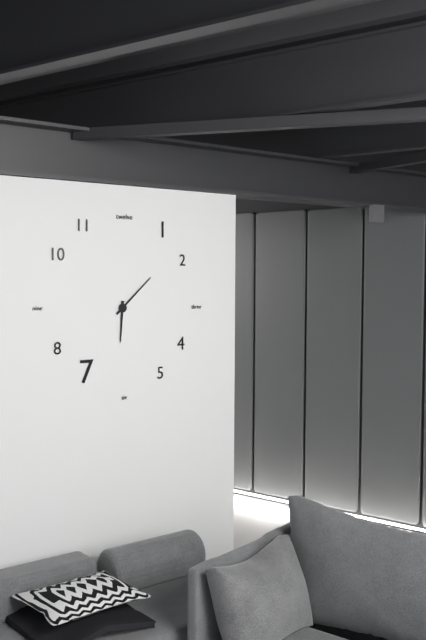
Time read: 6:08
